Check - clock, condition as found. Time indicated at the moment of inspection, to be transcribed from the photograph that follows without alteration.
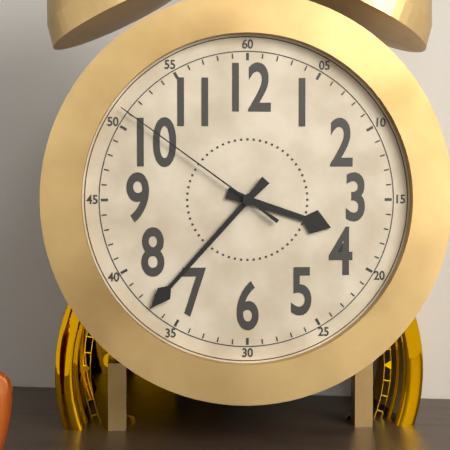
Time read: 3:37:51
